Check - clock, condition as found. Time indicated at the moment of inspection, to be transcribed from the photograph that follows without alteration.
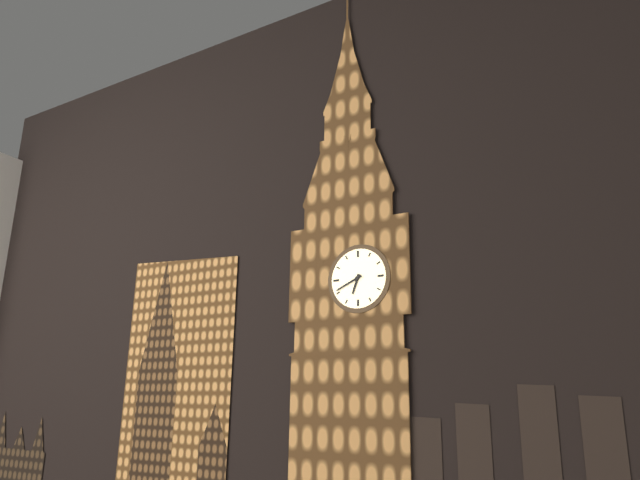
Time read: 6:41
